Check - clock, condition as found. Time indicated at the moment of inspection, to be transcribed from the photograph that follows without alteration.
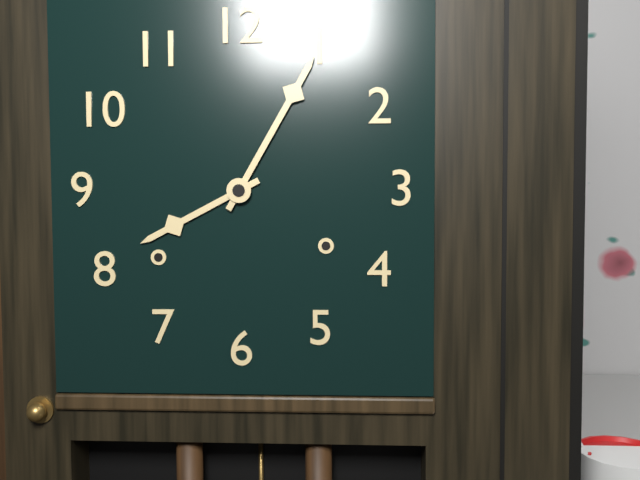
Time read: 8:05
